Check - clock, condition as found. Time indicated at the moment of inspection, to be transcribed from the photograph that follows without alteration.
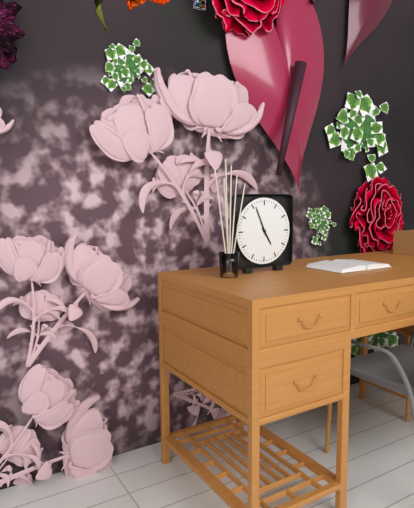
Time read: 4:56
